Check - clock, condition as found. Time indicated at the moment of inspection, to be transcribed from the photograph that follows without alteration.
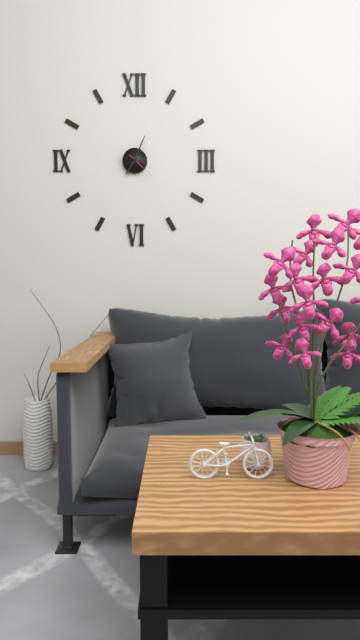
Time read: 7:04
